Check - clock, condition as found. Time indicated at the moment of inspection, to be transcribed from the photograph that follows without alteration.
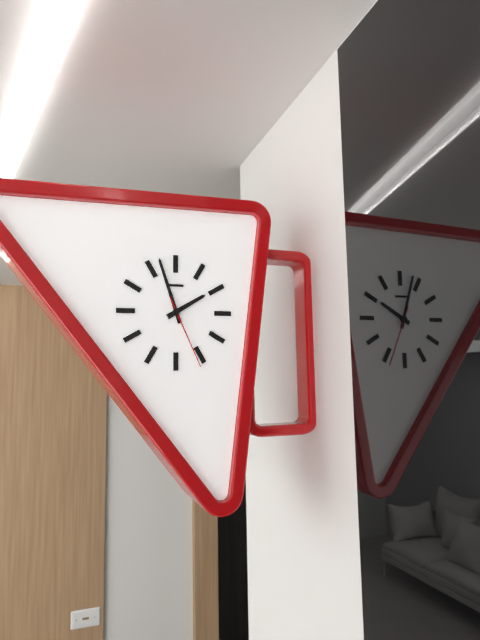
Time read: 1:57:26
